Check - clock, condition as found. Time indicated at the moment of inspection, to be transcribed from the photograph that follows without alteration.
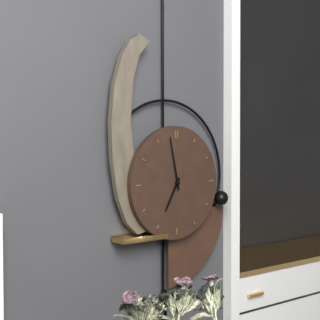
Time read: 6:58
